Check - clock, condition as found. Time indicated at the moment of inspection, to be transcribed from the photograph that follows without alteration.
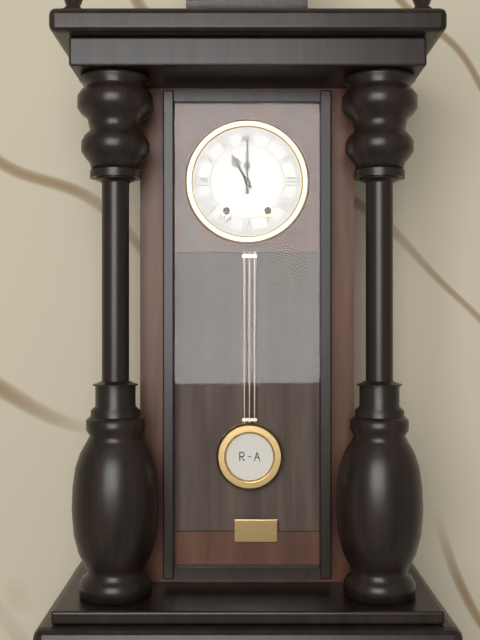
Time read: 11:00
